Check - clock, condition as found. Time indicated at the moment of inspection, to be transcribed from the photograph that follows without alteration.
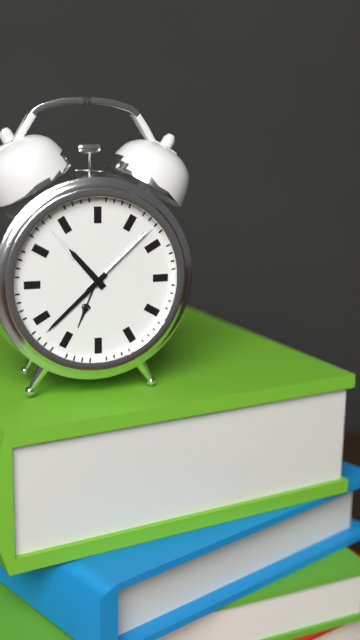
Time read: 10:38:08
